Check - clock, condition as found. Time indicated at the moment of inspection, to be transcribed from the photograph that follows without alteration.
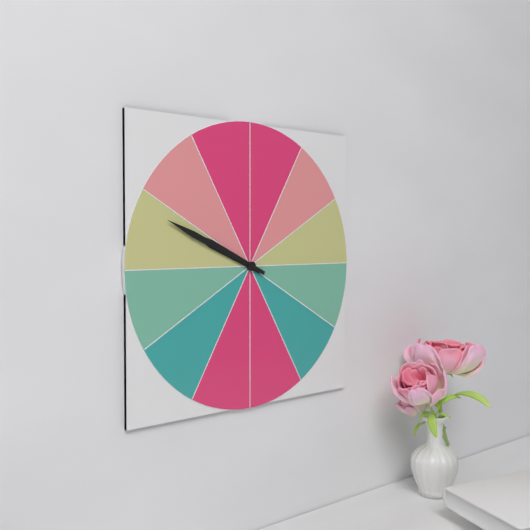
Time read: 9:49
